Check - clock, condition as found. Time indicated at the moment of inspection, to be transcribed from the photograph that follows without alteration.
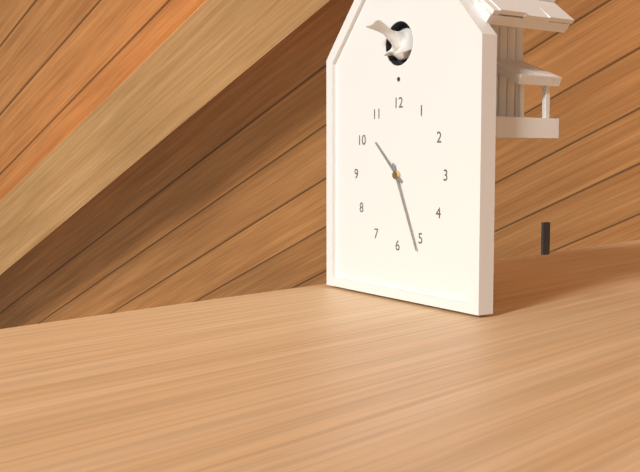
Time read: 10:26
